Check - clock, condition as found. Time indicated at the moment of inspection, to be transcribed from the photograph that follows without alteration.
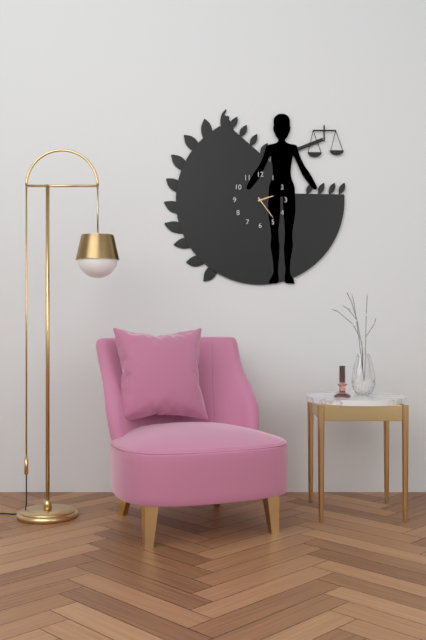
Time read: 2:24
